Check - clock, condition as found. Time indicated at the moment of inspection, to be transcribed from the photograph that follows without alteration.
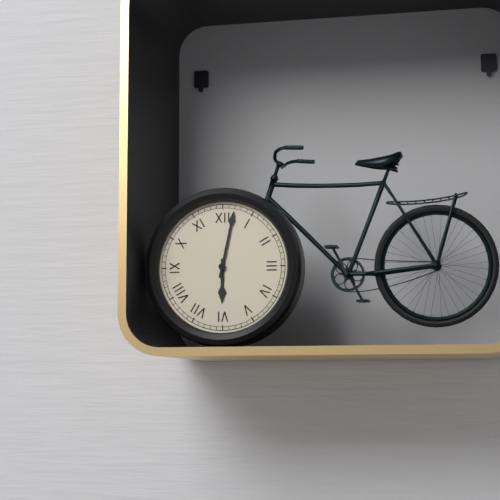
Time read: 6:02
